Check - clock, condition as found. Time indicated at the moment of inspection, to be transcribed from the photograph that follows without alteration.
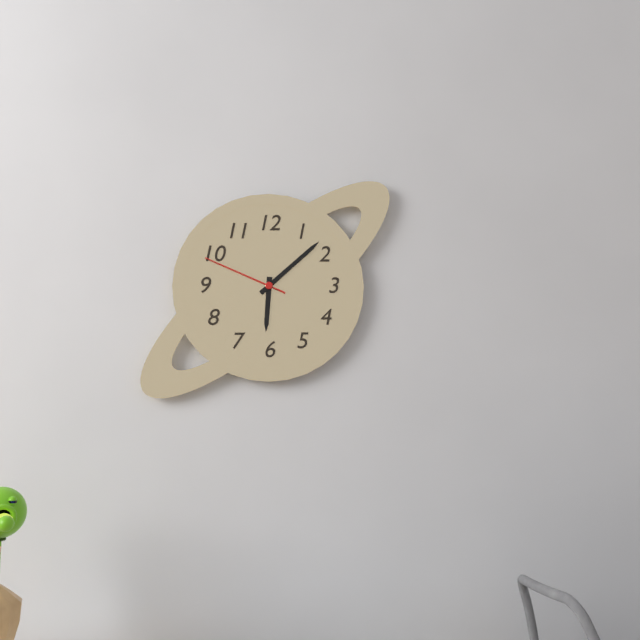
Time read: 6:08:49
